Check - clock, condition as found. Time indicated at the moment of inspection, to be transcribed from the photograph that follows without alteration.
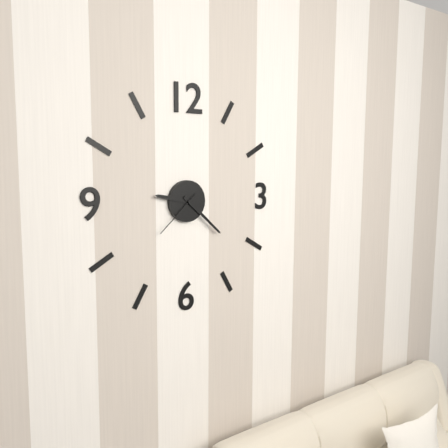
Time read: 9:22:38
